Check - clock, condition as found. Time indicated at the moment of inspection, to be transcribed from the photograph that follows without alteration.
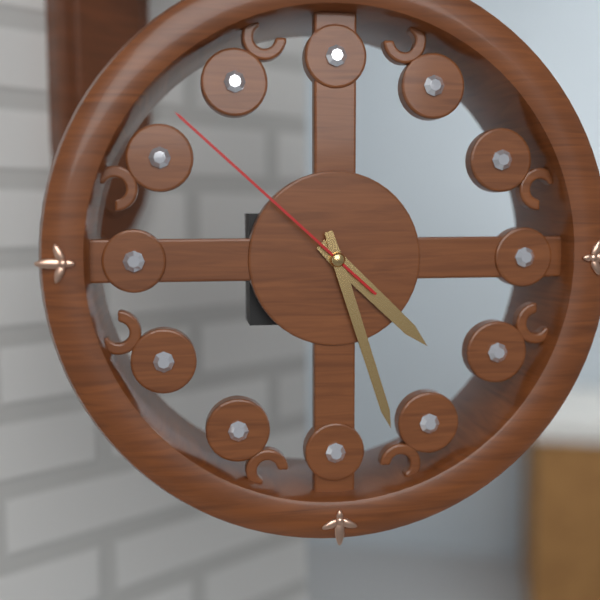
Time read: 4:27:52
